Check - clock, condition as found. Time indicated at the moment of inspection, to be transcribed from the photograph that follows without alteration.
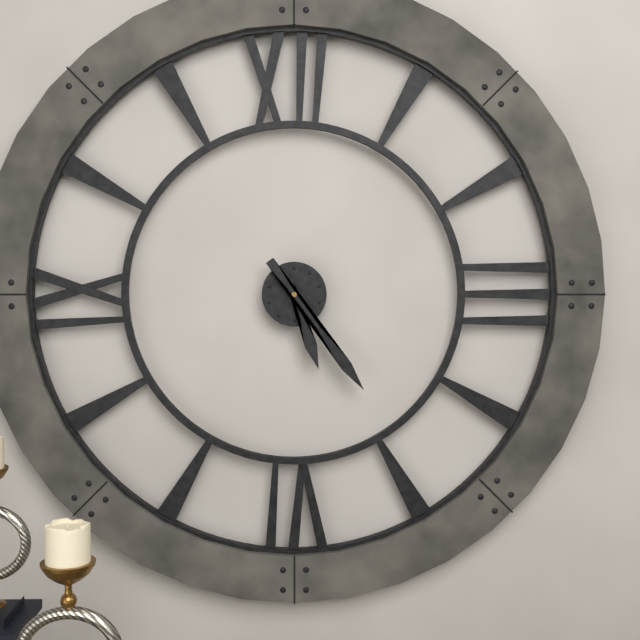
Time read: 5:24
